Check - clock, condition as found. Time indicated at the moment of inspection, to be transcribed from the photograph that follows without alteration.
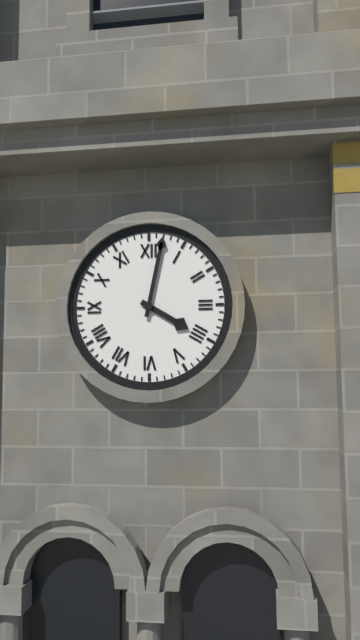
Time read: 4:02
